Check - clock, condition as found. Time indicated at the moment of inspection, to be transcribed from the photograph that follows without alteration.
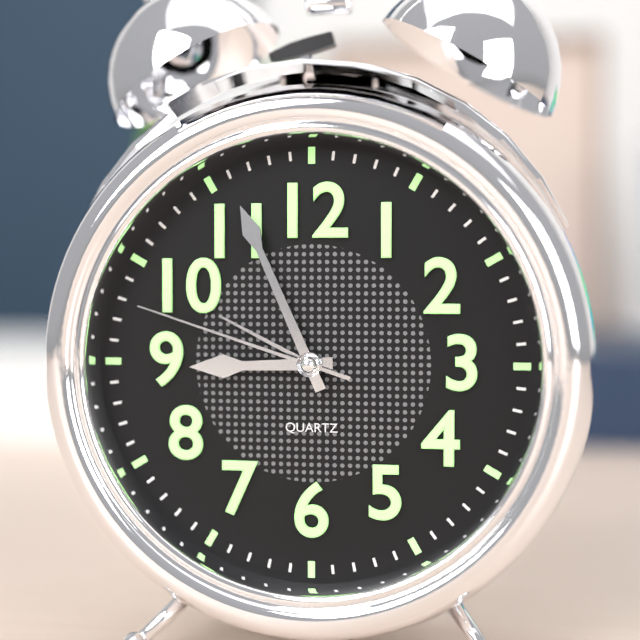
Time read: 8:56:48
